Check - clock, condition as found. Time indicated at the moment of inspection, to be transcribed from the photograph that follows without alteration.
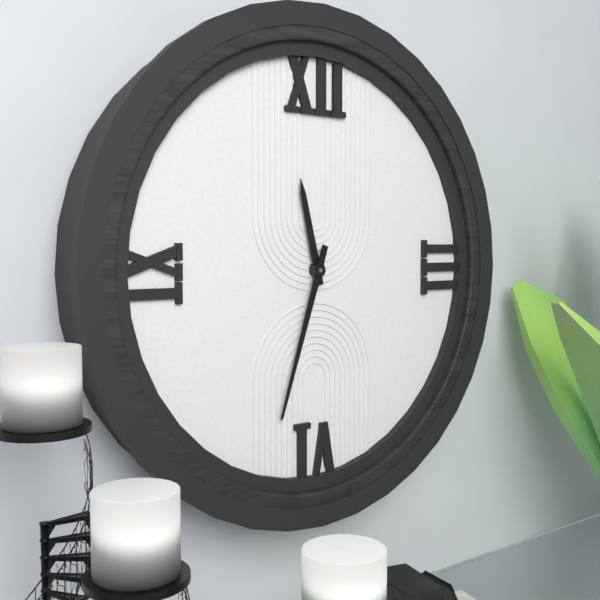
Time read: 11:33
